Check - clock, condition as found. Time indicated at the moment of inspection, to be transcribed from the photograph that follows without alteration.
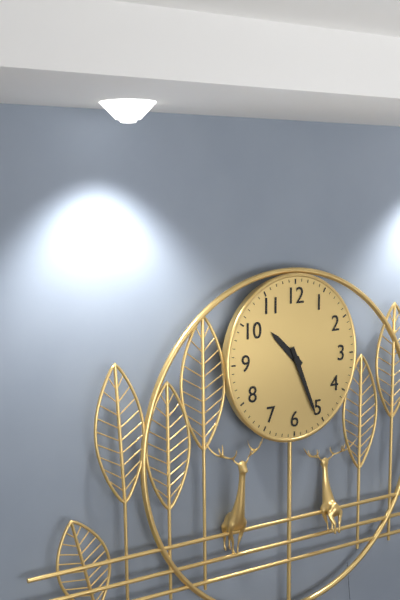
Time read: 10:26
